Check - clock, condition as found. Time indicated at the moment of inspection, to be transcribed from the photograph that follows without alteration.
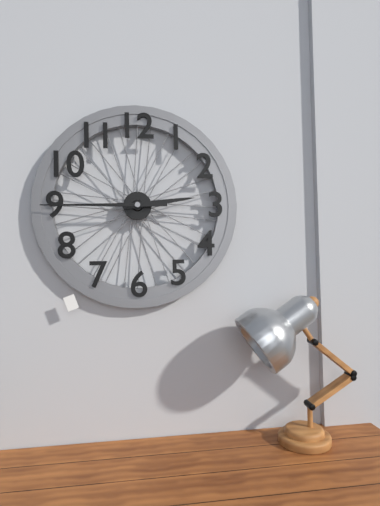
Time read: 2:45
